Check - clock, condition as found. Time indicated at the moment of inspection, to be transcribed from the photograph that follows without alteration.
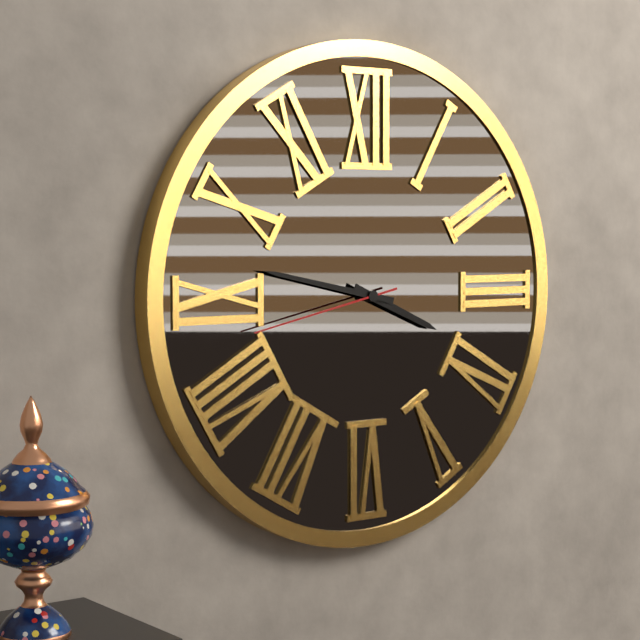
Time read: 3:47:43
